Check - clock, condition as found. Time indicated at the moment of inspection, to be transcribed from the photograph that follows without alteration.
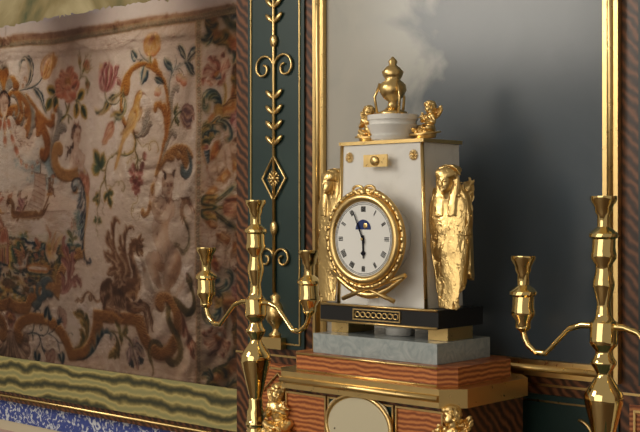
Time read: 5:56
